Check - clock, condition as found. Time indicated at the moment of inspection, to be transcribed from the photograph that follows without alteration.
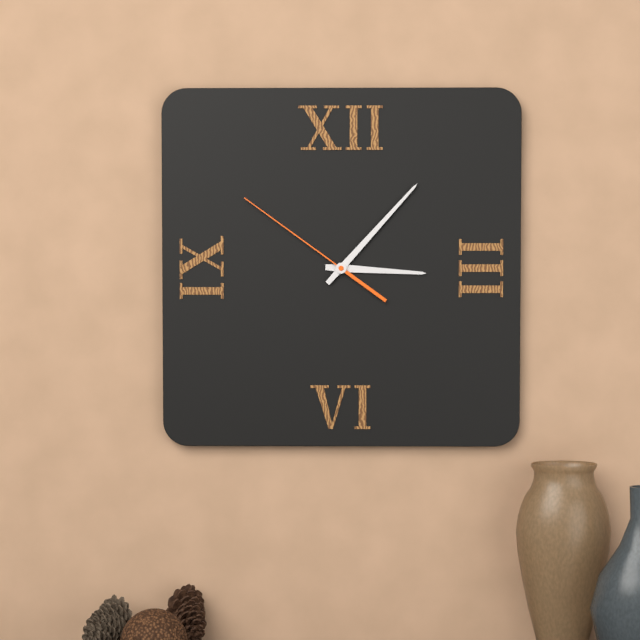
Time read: 3:07:51
